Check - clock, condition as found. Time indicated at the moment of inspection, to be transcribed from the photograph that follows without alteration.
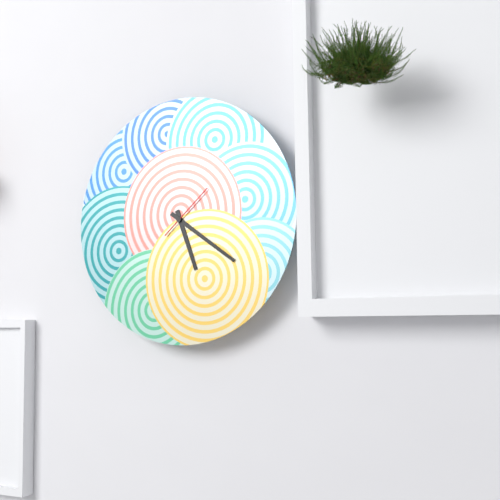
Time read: 5:21:08
